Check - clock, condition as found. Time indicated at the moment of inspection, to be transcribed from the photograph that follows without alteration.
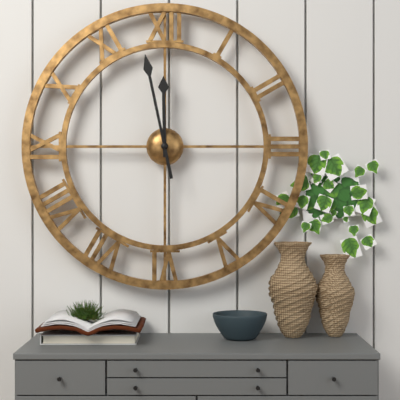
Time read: 11:58
